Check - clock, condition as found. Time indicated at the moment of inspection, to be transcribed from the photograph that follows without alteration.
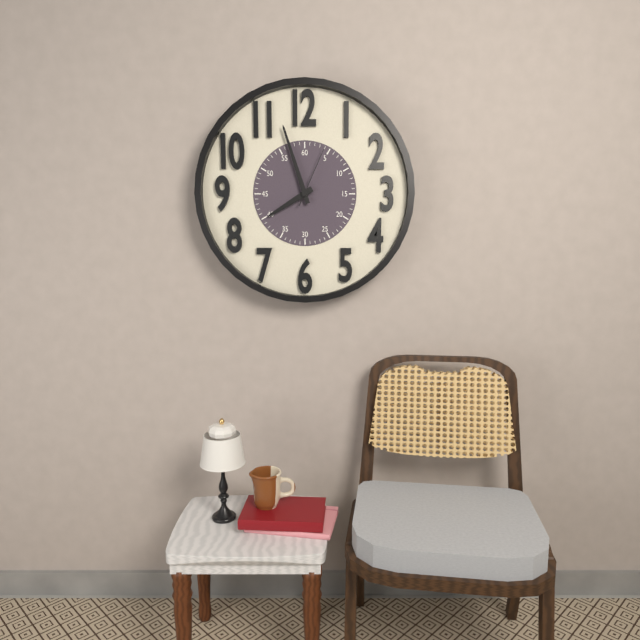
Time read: 7:57:04
